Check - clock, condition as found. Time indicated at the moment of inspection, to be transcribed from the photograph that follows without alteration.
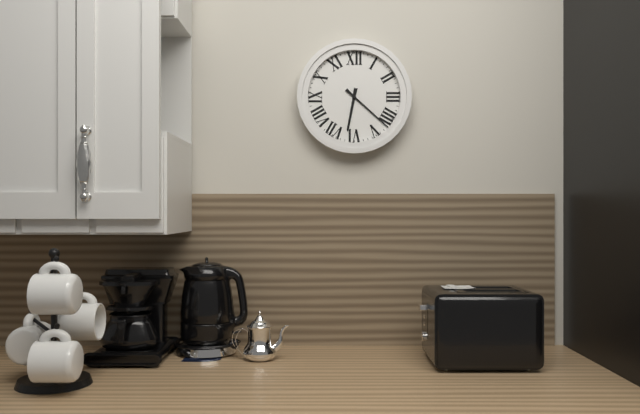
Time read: 6:22
